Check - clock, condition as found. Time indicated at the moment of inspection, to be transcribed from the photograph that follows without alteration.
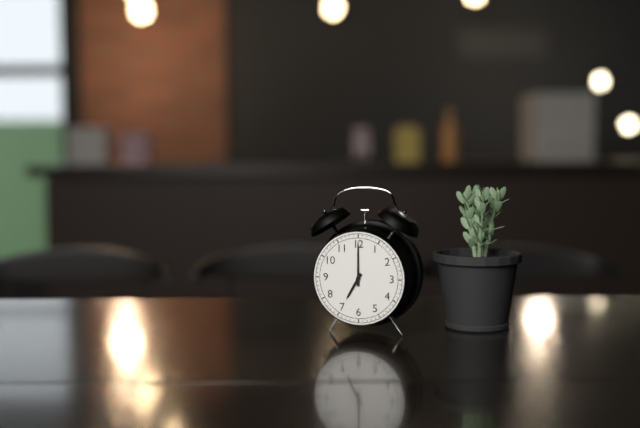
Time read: 7:00
